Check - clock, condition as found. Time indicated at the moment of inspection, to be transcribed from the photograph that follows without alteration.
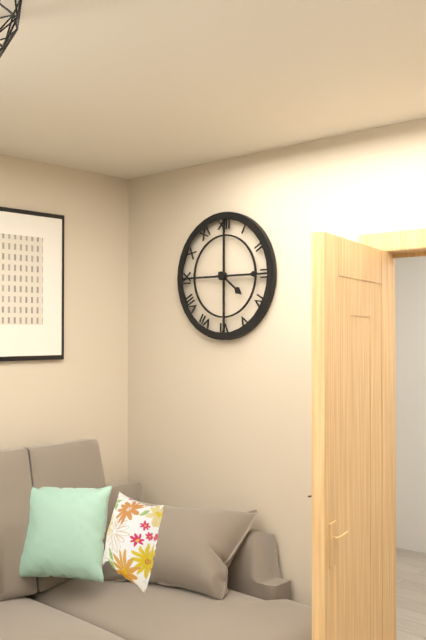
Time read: 4:15
